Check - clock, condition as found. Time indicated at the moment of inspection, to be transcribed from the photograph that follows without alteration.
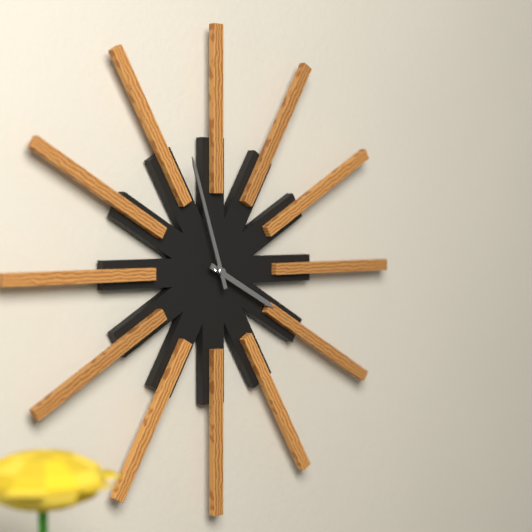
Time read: 3:57
